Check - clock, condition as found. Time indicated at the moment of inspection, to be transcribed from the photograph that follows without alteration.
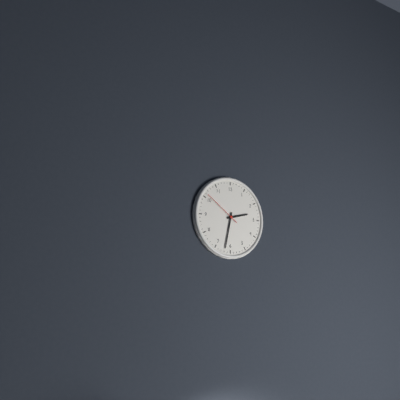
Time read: 2:32
